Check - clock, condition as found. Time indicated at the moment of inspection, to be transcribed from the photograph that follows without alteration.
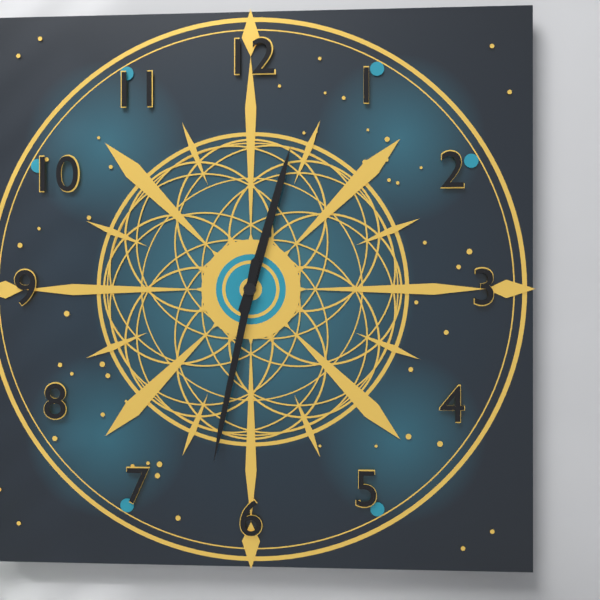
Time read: 12:32
